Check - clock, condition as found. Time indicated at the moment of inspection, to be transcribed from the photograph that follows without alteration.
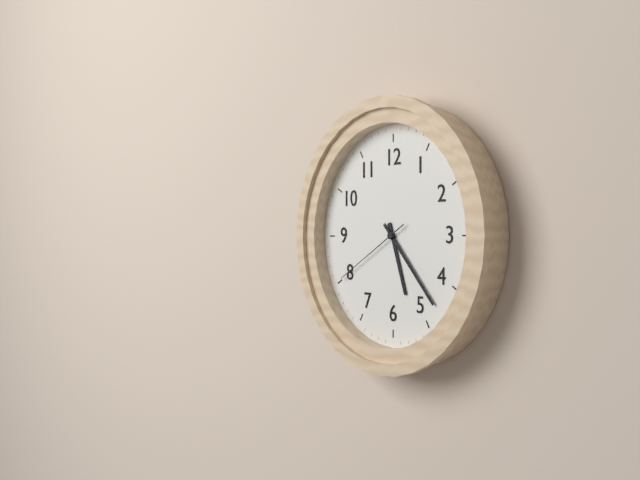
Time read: 5:23:40
